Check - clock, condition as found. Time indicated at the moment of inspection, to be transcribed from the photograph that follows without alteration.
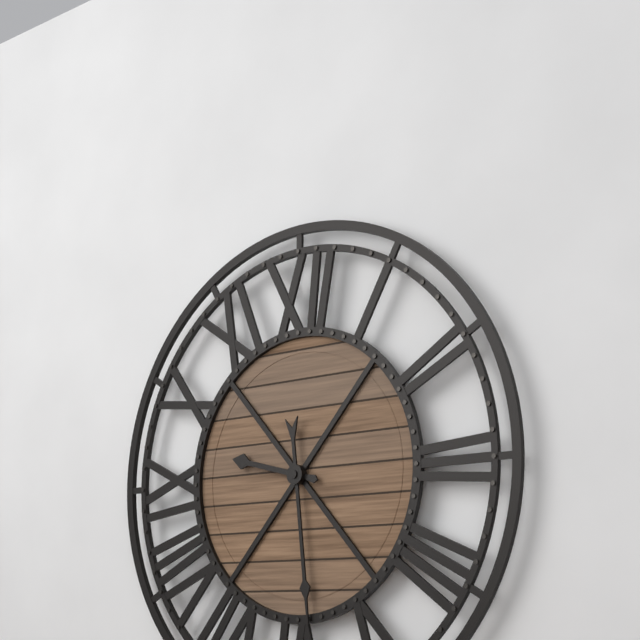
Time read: 9:29
